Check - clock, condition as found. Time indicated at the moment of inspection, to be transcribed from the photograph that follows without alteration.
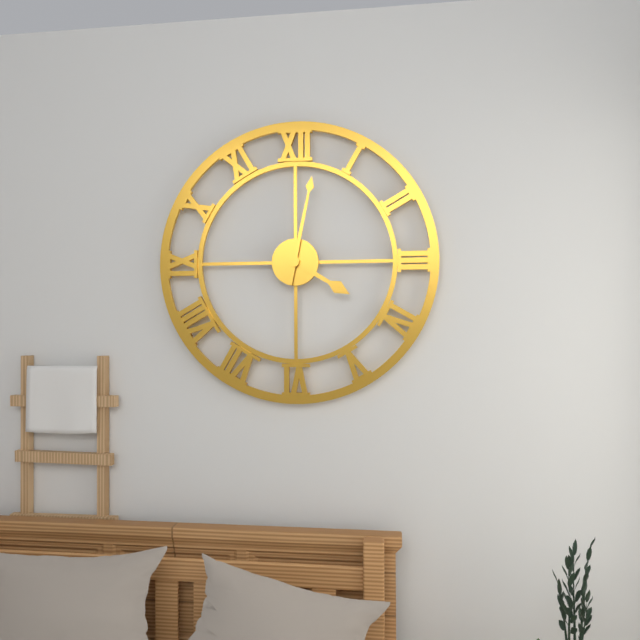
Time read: 4:02
